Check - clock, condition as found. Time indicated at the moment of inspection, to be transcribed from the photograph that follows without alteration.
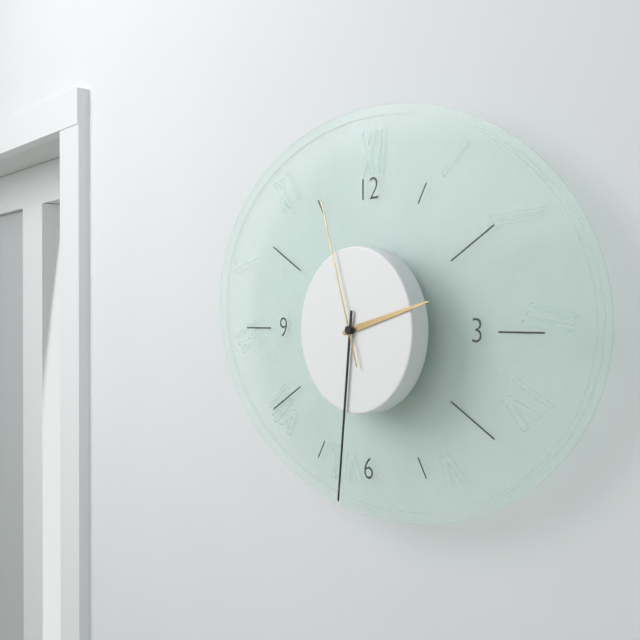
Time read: 2:31:57
